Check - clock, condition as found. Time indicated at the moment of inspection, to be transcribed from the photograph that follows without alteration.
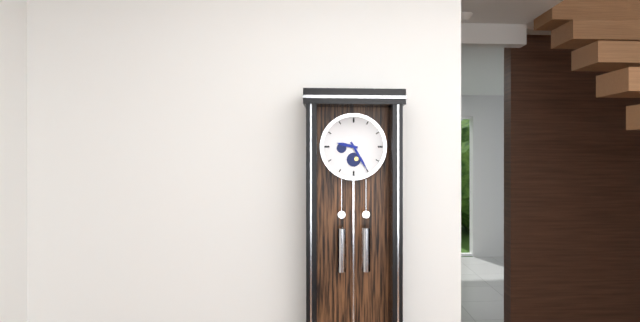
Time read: 9:25
